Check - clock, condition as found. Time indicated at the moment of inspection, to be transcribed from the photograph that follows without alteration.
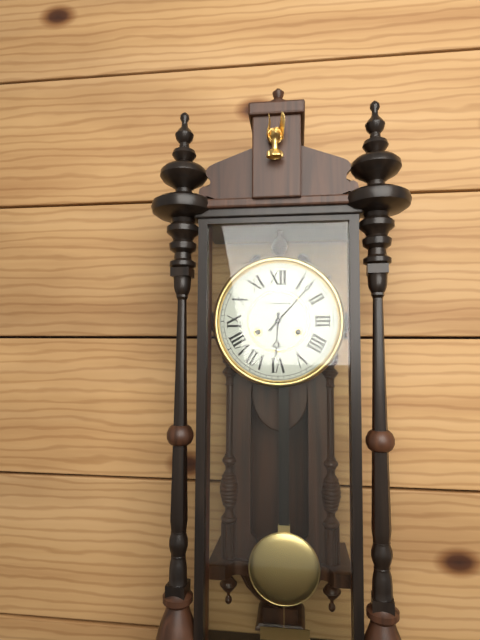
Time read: 6:07
